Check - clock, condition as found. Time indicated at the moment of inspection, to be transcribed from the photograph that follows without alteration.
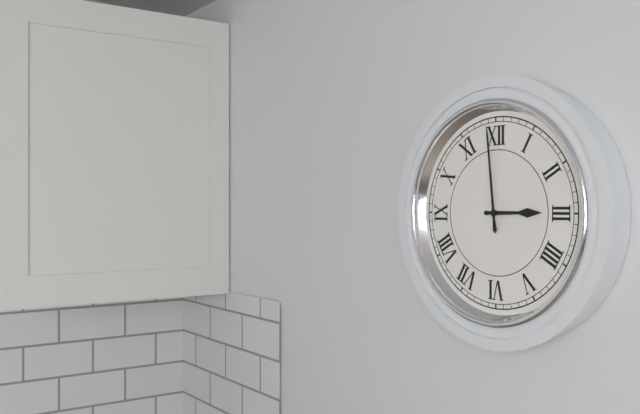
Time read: 2:59
